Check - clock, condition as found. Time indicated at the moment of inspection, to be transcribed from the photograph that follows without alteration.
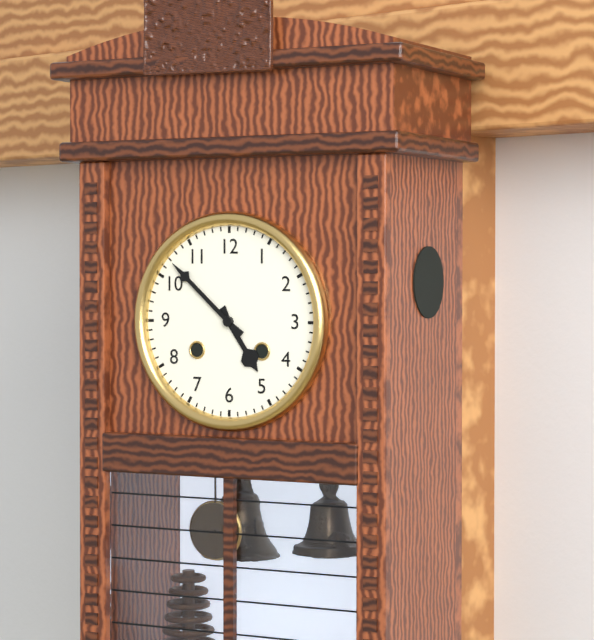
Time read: 4:52
